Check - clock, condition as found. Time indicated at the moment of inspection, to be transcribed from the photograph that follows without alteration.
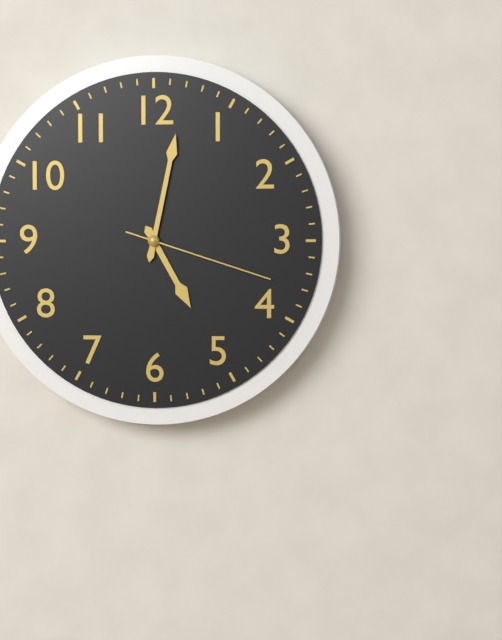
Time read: 5:02:18
